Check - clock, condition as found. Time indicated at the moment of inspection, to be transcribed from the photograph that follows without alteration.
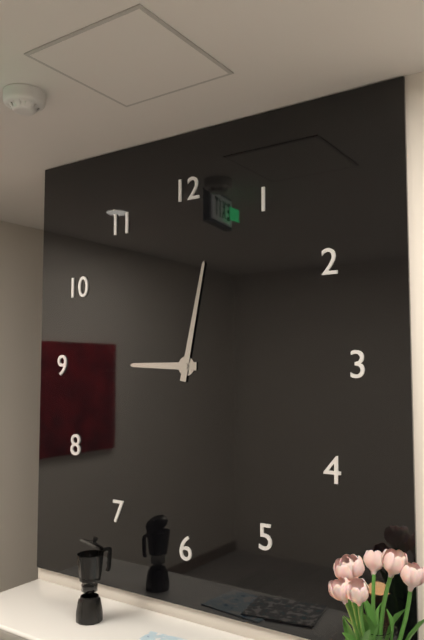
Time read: 9:02
